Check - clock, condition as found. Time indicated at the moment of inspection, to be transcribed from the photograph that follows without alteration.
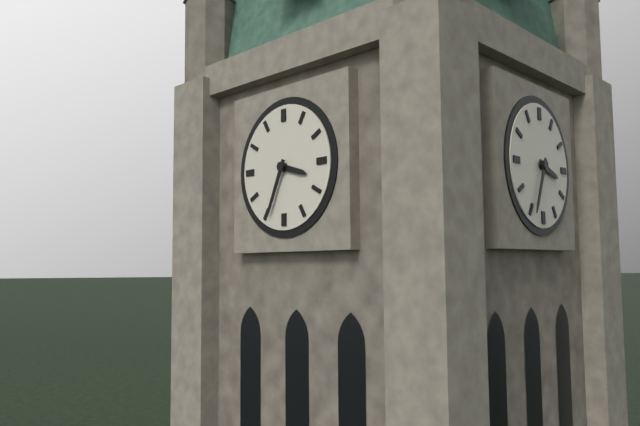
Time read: 3:34
